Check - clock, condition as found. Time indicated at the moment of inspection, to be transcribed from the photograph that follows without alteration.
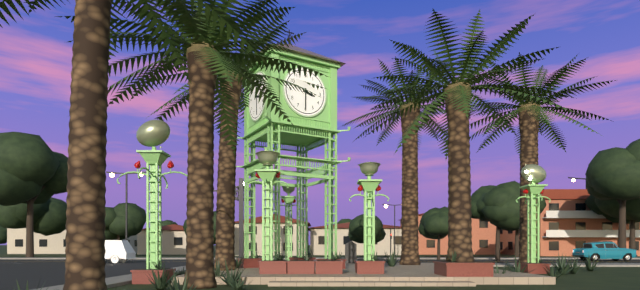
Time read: 3:30
